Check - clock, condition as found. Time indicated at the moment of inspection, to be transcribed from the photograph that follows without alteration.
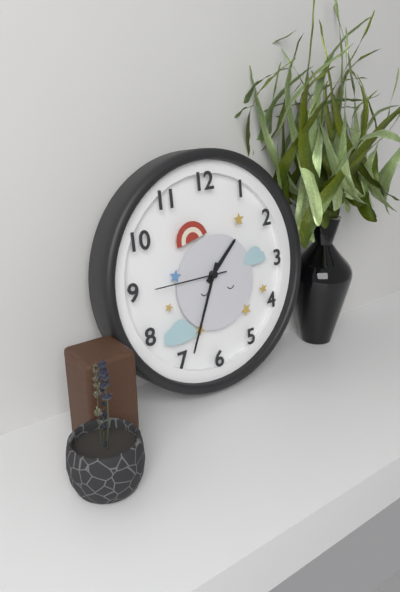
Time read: 1:34:45
